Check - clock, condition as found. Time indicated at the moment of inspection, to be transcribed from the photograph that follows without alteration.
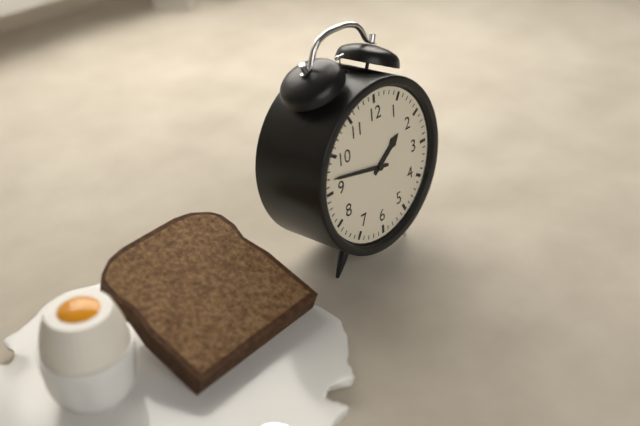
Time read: 1:47
